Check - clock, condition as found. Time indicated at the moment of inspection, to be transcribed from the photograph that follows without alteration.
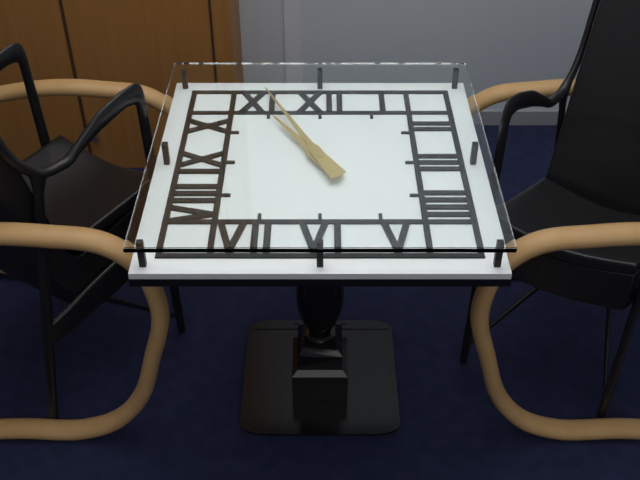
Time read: 10:56
